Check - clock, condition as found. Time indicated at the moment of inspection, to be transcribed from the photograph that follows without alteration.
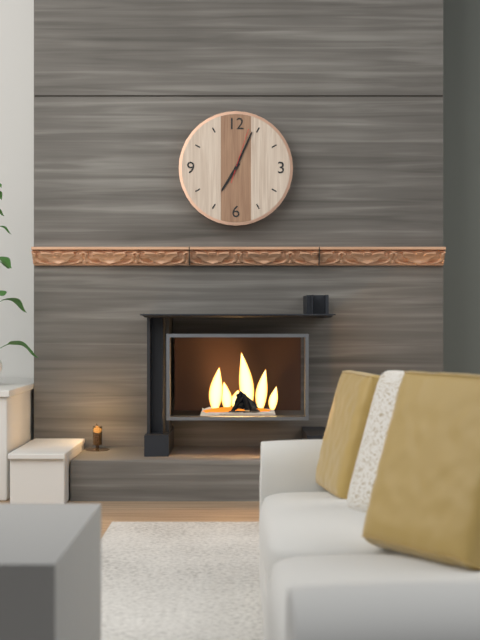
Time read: 7:04:03
